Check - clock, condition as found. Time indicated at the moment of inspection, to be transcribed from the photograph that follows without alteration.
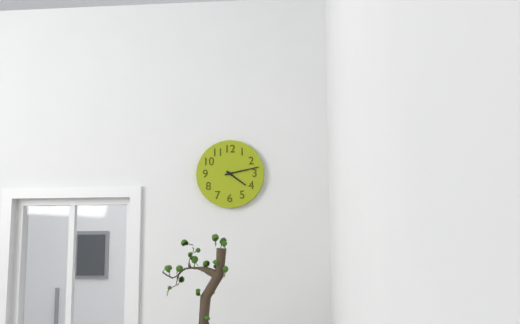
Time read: 4:13
